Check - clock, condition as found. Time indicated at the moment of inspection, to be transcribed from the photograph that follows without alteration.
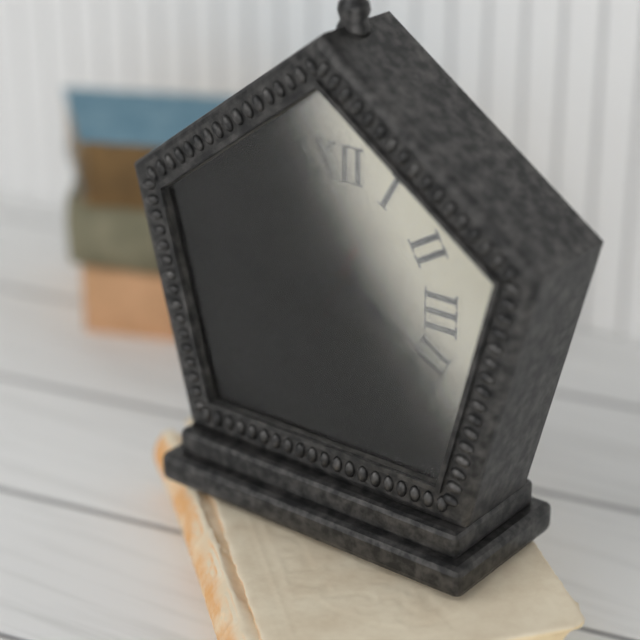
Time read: 8:20:34
